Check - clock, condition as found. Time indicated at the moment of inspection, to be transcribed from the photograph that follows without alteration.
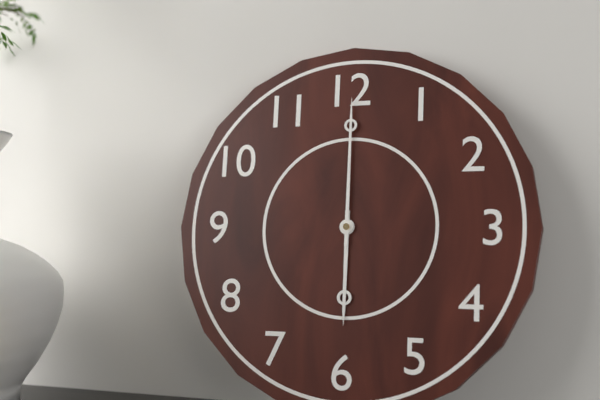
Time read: 6:00
